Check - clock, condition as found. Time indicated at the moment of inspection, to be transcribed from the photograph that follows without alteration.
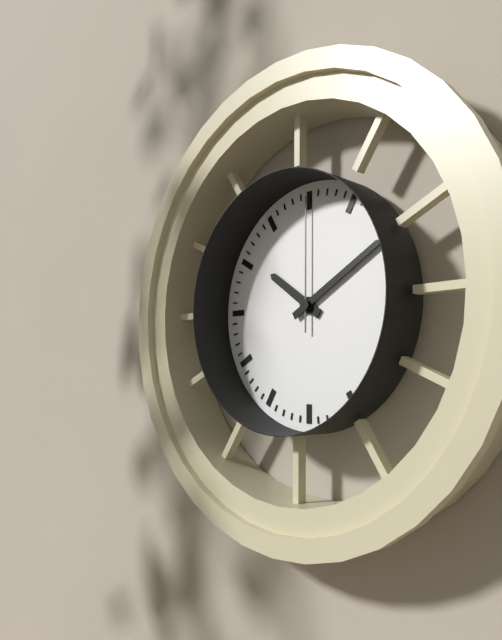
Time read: 10:10:00
